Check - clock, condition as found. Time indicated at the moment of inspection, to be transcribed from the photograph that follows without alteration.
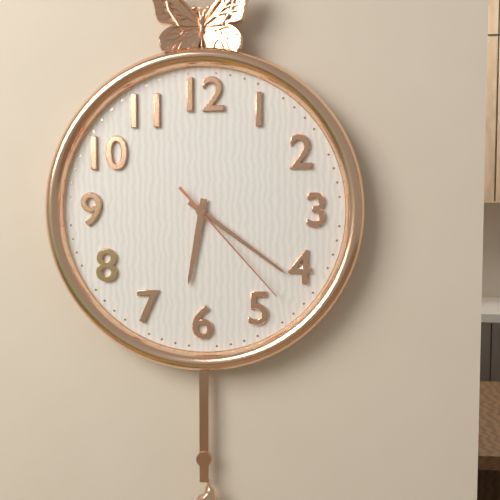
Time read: 6:21:23
